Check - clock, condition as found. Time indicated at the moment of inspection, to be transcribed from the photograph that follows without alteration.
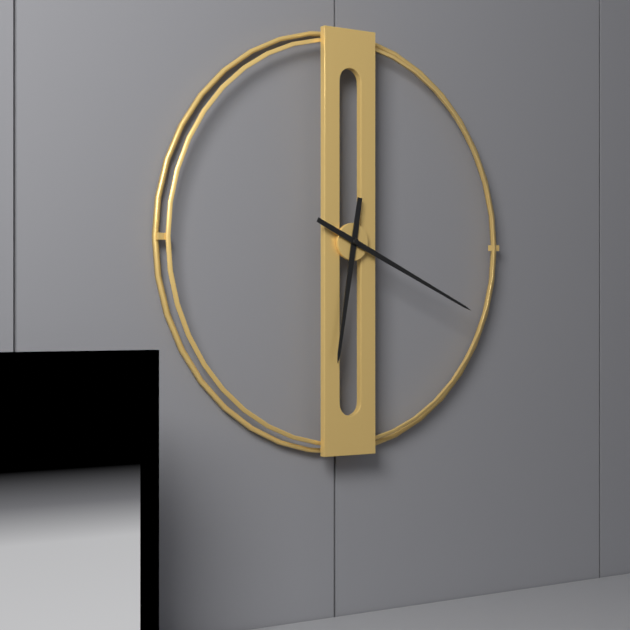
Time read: 6:19
